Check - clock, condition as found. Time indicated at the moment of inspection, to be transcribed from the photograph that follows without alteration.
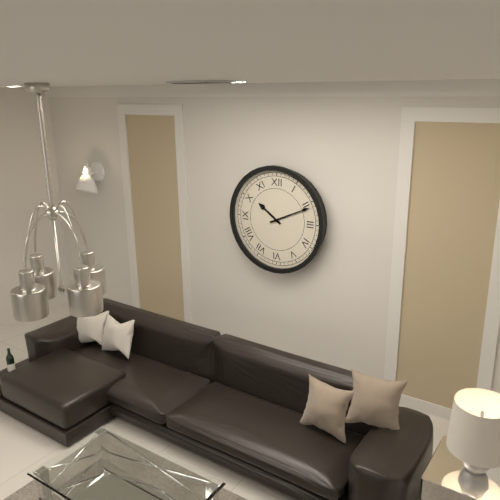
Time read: 10:11
